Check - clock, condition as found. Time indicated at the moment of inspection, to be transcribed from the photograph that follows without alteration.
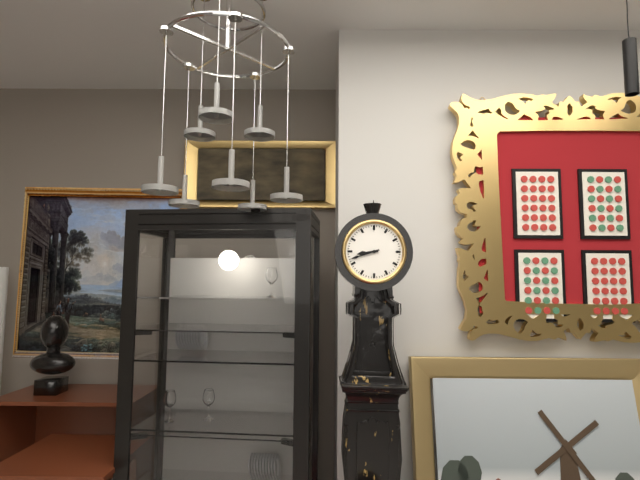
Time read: 8:42
